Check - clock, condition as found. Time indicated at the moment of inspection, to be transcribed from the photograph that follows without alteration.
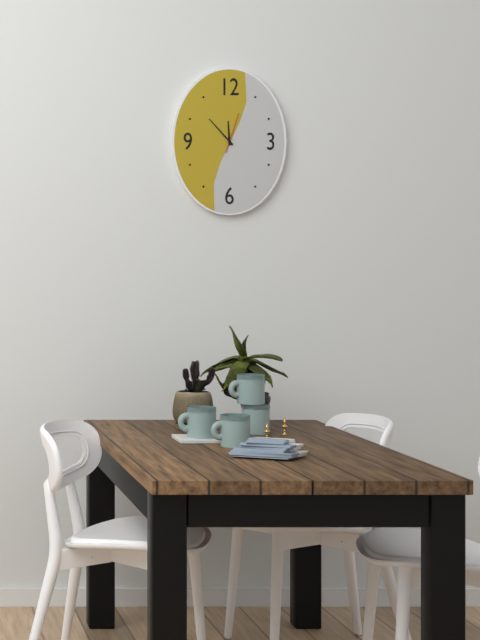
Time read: 11:53
